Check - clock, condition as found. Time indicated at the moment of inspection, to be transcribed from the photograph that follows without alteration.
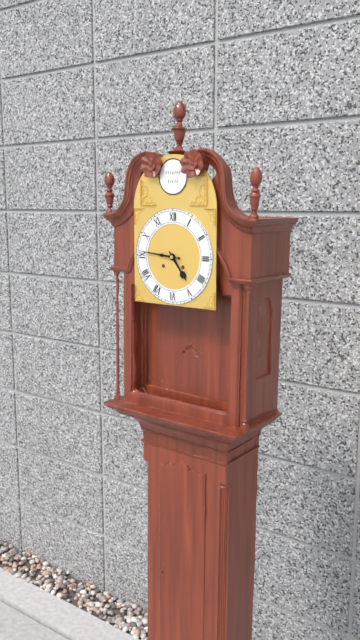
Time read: 4:46
